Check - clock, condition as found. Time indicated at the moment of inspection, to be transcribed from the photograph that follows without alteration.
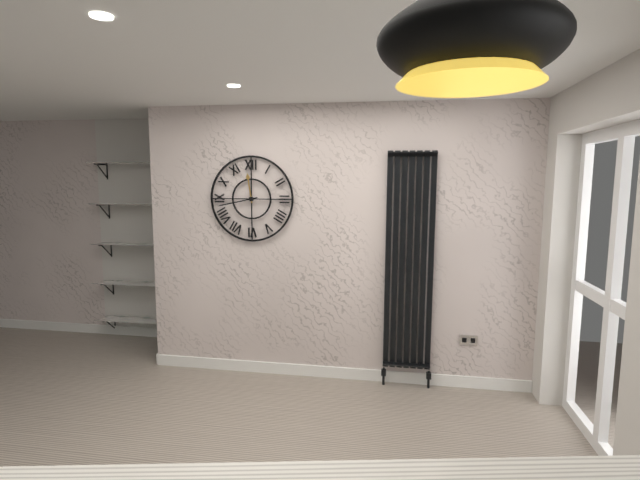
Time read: 11:43
